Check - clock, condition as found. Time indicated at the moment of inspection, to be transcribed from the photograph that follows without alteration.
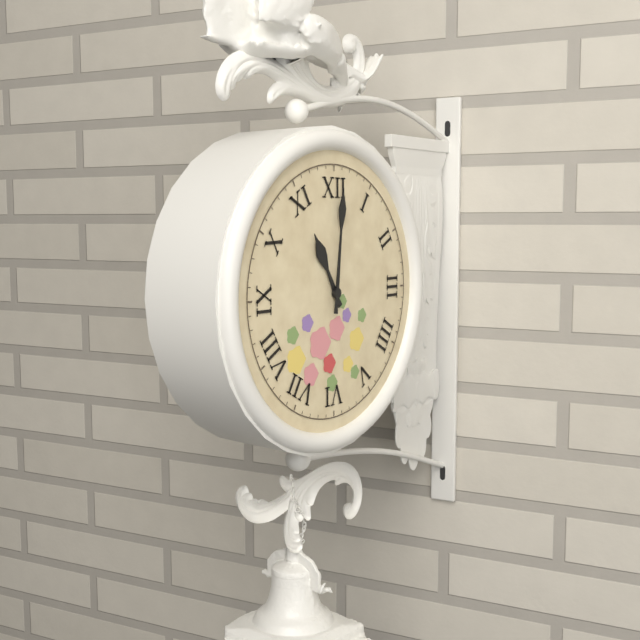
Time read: 11:01
